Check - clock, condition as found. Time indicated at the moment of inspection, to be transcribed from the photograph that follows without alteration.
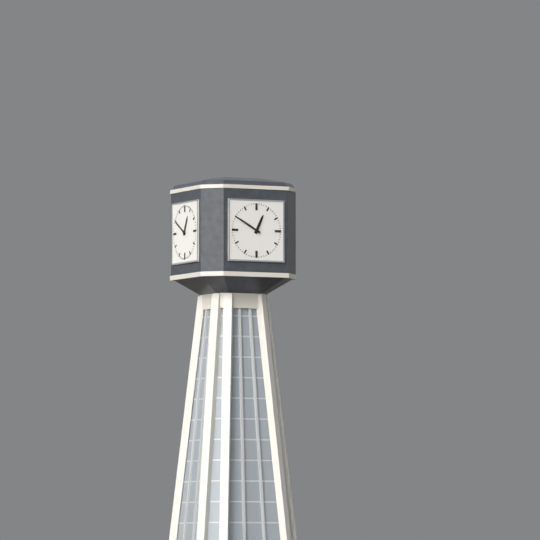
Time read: 12:50
